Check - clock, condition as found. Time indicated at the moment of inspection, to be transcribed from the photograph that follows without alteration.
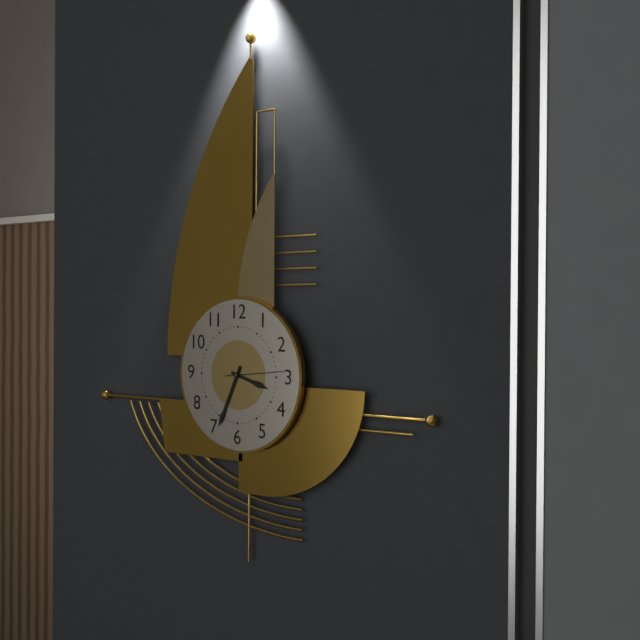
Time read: 3:34:14
